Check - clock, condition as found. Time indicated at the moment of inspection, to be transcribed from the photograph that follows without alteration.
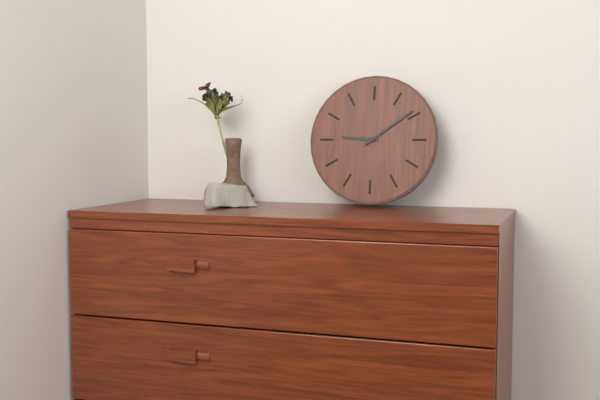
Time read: 9:09
